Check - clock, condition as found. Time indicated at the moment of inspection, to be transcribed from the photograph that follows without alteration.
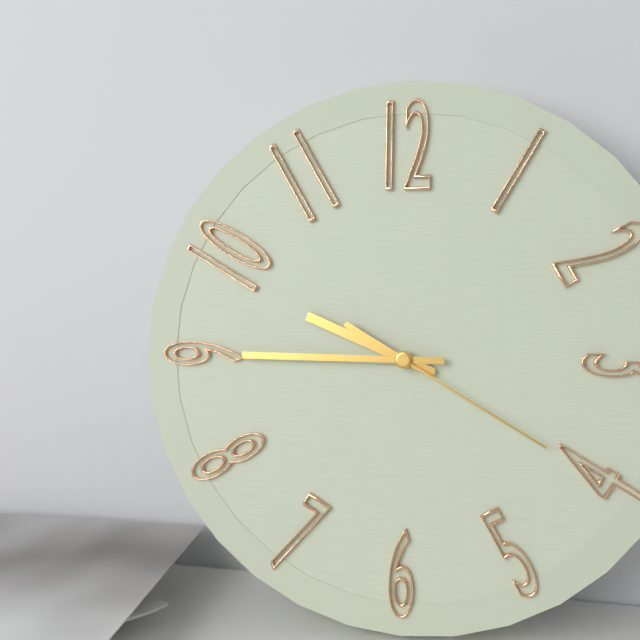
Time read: 9:45:20
